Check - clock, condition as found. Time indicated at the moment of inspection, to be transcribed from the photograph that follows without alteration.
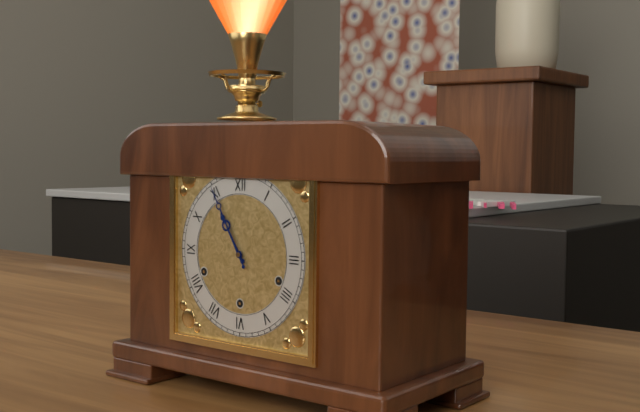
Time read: 10:55
